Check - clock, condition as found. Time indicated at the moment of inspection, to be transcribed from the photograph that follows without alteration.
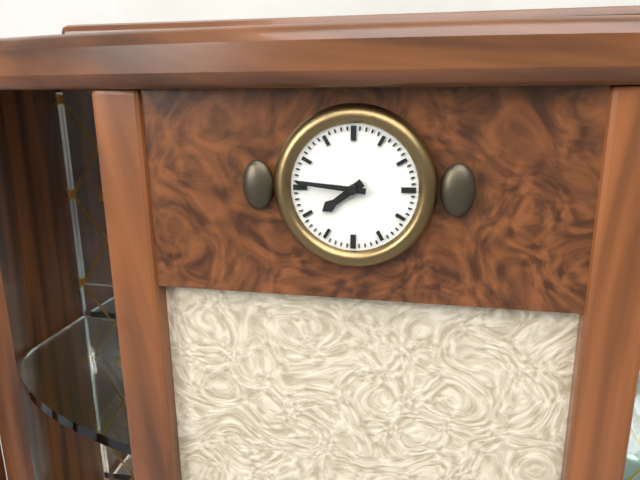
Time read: 7:46
